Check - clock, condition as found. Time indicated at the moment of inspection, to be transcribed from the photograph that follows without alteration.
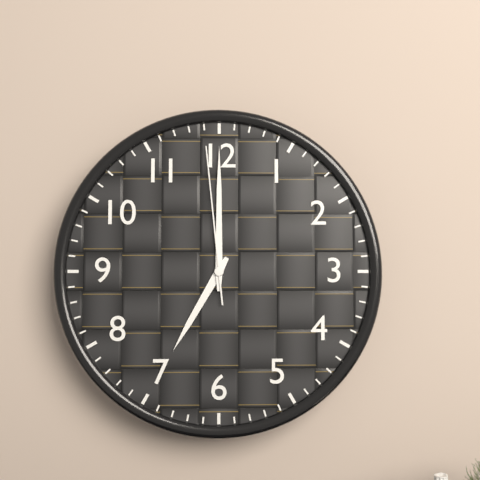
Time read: 7:00:59
